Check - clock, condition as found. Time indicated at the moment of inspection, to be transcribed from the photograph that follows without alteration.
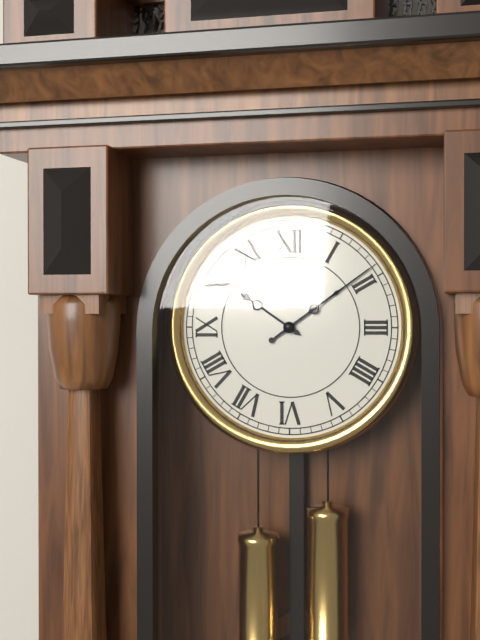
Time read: 10:09
